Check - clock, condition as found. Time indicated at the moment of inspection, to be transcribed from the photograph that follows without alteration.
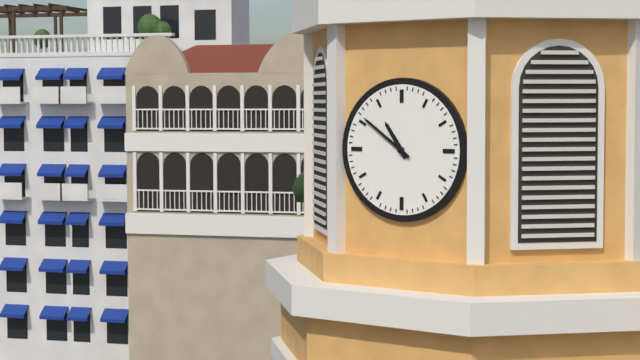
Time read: 10:51
